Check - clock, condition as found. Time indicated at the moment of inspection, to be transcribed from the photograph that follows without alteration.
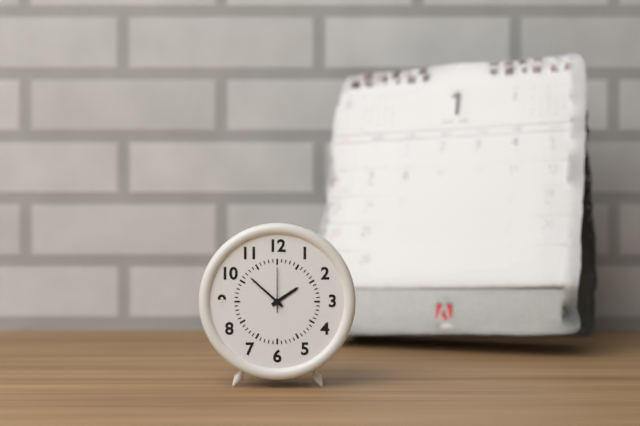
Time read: 1:52
